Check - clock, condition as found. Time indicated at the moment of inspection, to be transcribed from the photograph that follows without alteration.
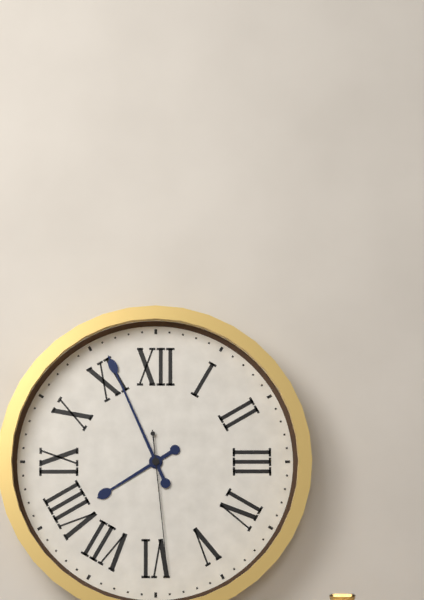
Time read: 7:56:29
